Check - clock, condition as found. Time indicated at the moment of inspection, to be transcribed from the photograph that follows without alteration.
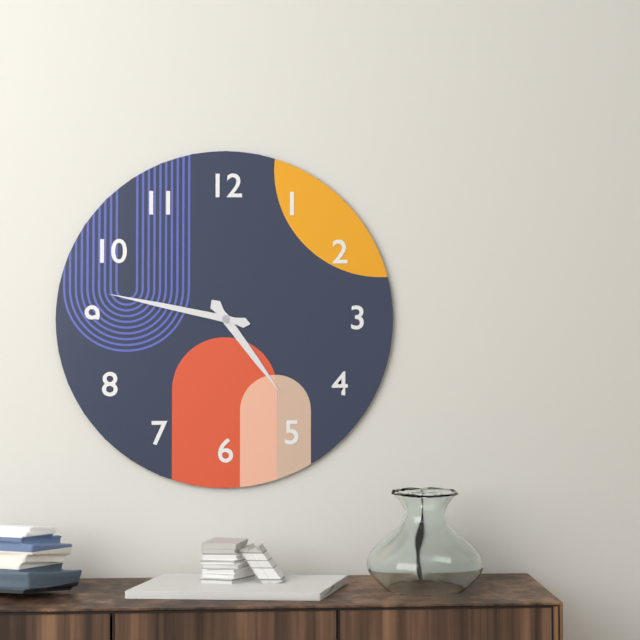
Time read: 4:47
